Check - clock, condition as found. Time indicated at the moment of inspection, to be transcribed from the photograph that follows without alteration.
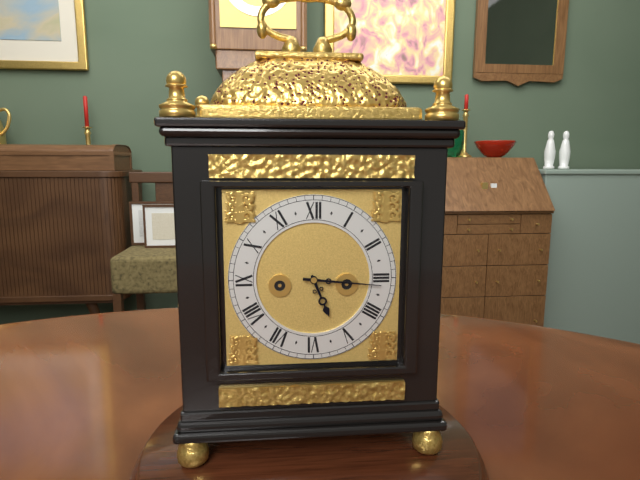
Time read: 5:16
